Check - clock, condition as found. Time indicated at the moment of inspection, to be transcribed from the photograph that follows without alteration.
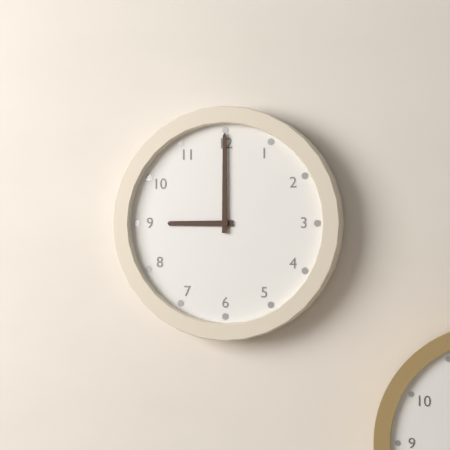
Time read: 9:00
